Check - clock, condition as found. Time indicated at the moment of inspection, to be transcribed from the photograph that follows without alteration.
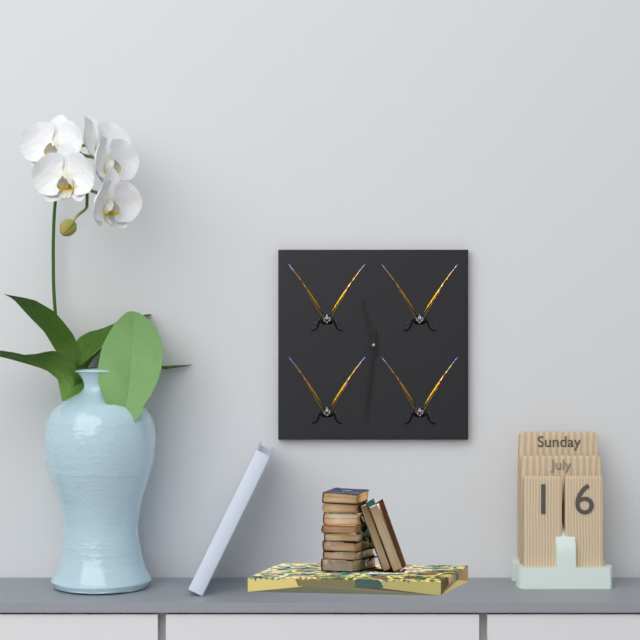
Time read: 11:31
